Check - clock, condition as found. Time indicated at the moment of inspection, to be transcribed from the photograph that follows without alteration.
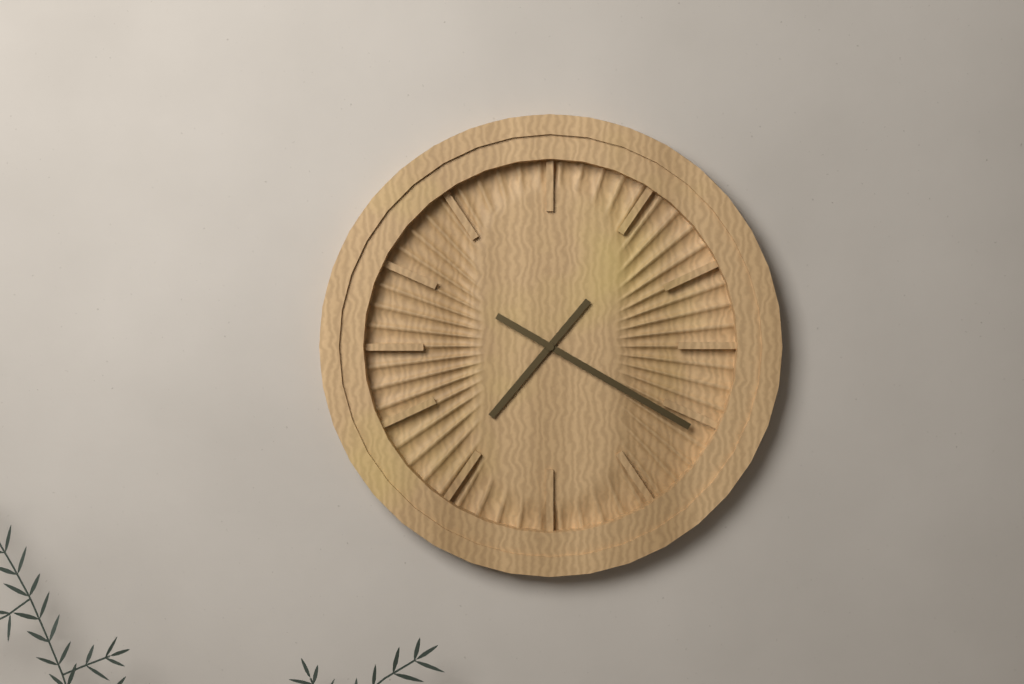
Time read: 7:20
